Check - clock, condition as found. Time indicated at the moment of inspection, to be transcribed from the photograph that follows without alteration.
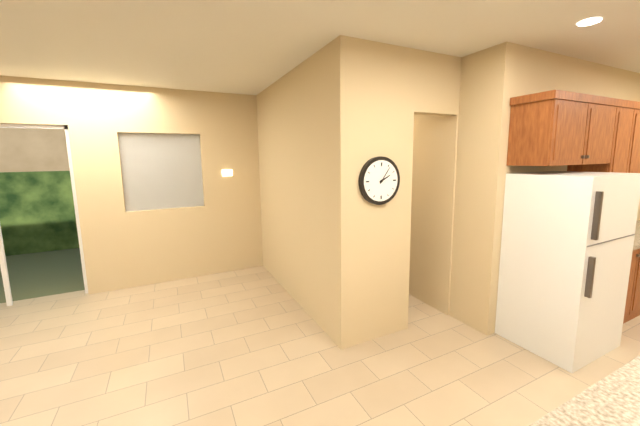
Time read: 2:06
